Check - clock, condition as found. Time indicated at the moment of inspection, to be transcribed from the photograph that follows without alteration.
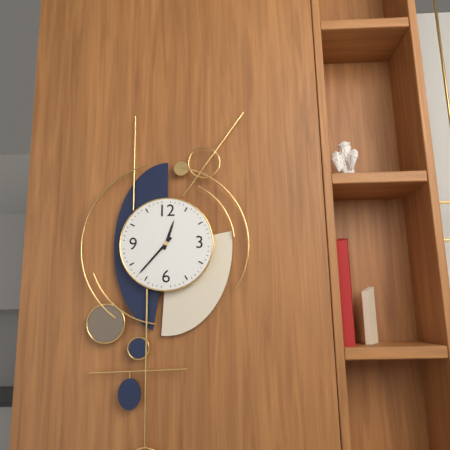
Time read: 12:37
